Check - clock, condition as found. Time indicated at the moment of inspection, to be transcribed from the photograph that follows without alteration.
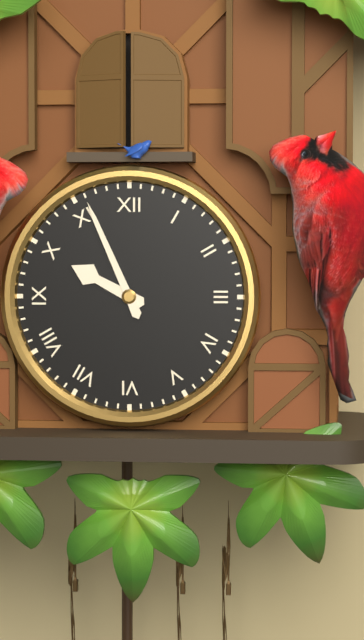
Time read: 9:56
